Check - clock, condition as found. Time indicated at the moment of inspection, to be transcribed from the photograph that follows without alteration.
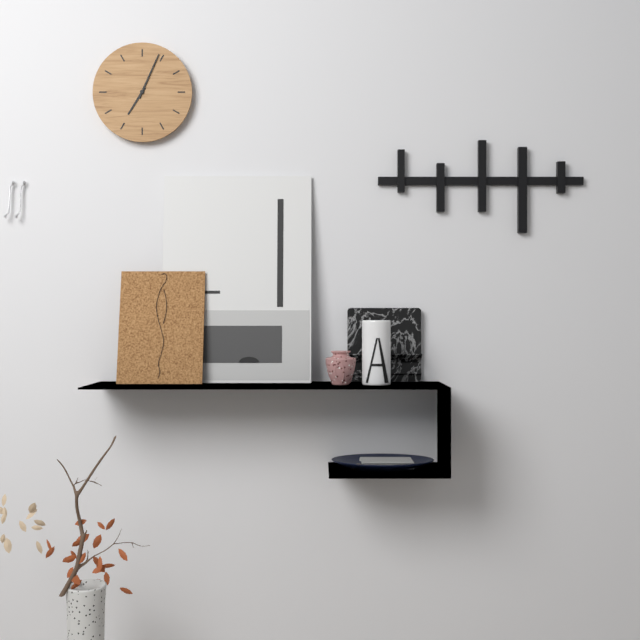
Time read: 7:04
